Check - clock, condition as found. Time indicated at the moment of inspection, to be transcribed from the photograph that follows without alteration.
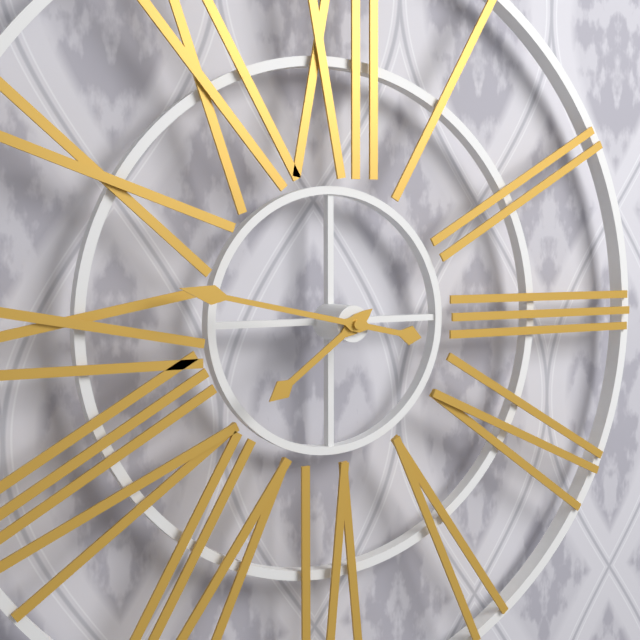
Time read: 7:47
